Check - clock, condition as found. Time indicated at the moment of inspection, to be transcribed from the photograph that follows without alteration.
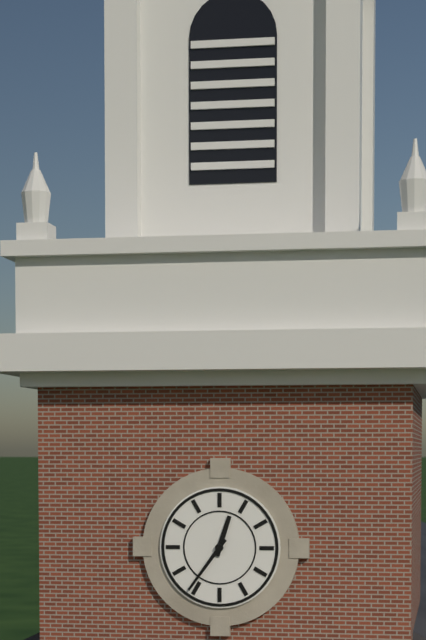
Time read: 12:36
